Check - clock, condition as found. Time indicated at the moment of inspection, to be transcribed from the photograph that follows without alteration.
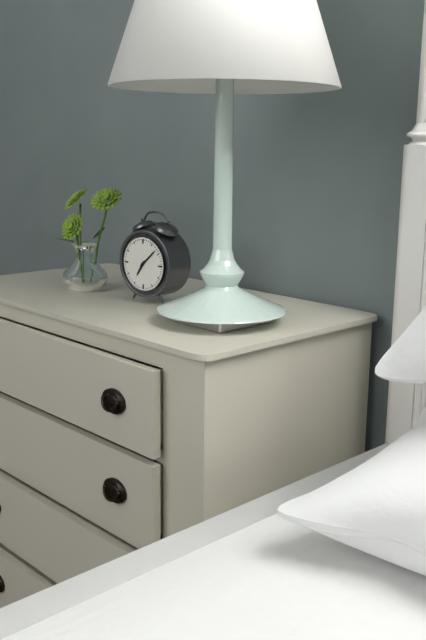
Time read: 7:08
